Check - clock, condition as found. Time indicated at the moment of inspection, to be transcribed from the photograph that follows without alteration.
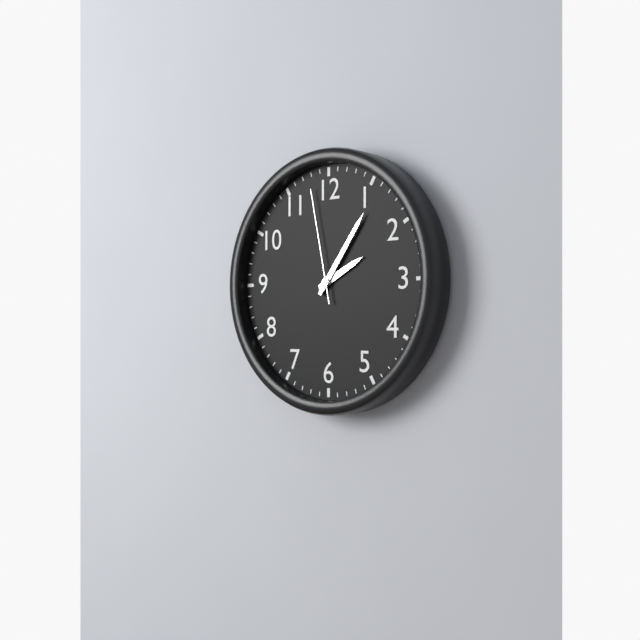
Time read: 2:06:58
